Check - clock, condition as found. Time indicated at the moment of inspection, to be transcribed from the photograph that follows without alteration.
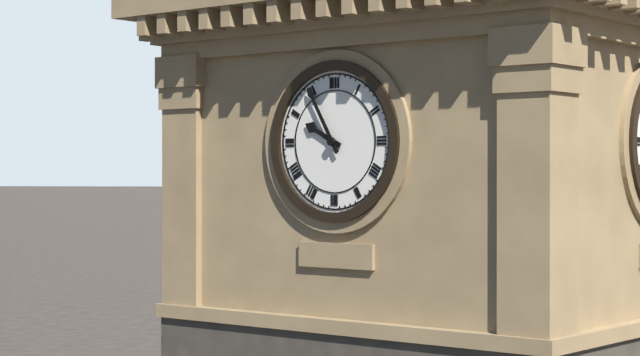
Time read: 9:55
